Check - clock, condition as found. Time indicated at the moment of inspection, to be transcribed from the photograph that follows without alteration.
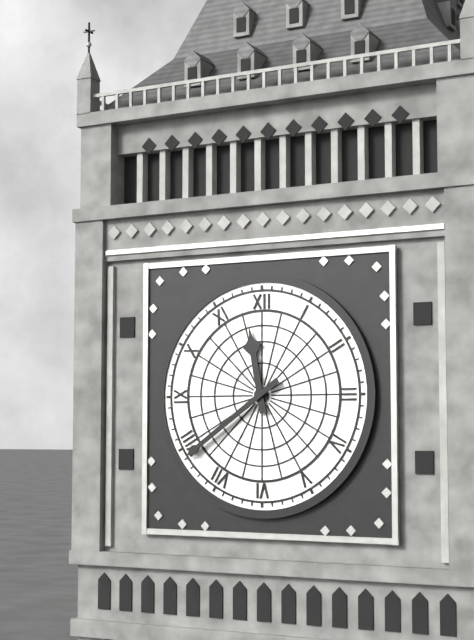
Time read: 11:39
